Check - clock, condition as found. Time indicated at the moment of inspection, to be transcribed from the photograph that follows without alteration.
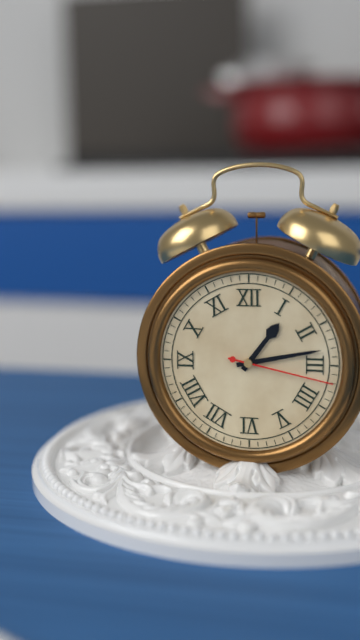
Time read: 1:13:17
